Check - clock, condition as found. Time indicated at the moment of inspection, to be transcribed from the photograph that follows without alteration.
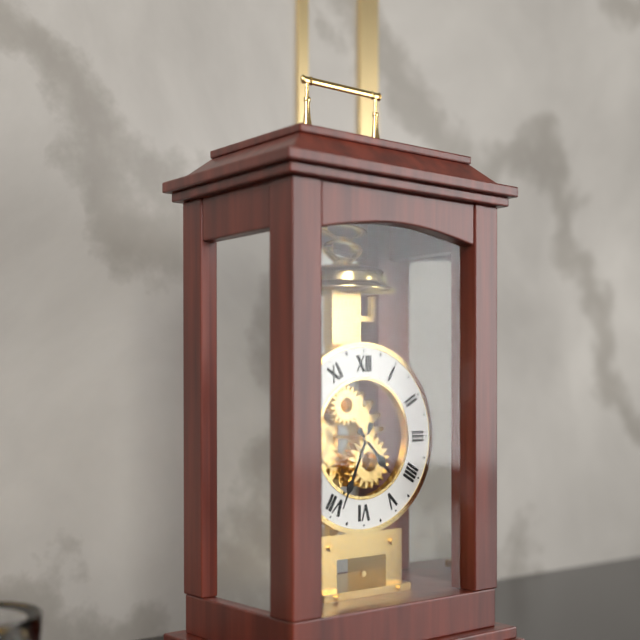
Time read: 4:34
